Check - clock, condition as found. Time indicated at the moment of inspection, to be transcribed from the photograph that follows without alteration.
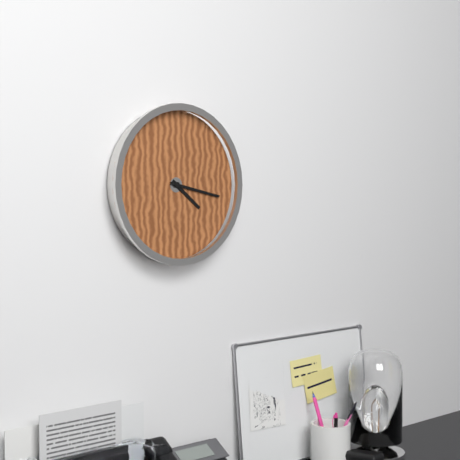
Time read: 4:17
